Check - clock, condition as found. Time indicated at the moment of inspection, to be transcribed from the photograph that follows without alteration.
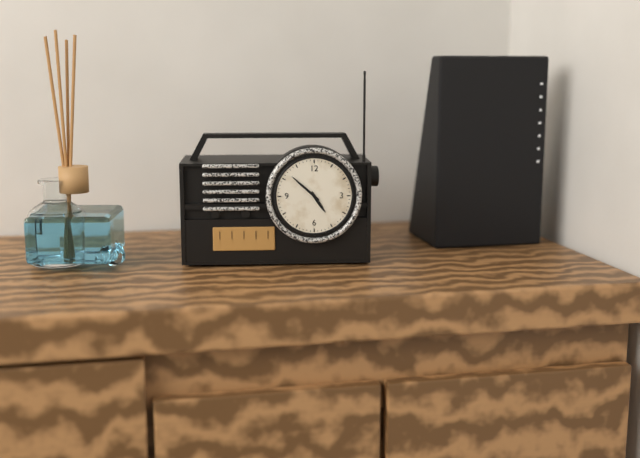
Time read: 4:52
